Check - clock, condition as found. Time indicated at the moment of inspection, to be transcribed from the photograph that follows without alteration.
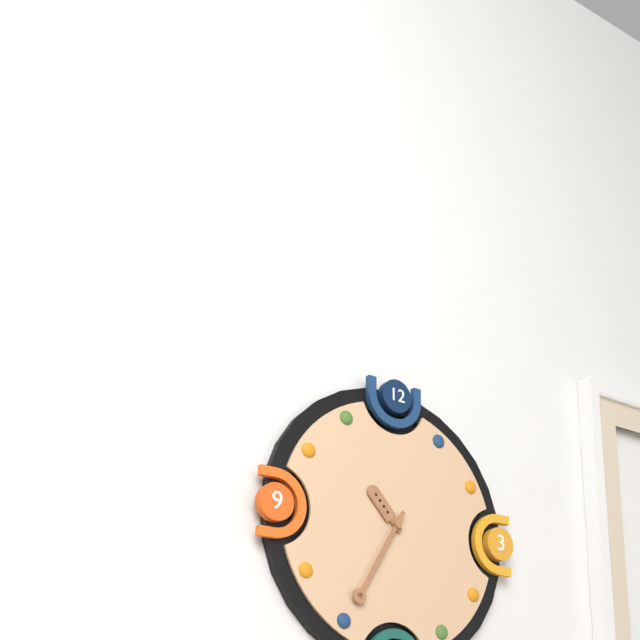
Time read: 10:35
